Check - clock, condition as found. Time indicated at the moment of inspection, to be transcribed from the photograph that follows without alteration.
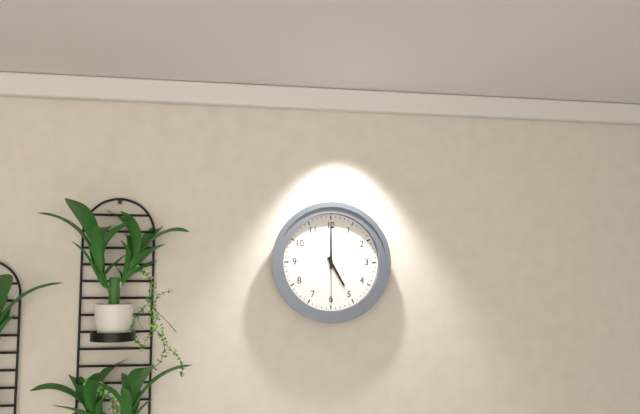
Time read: 5:00:30
